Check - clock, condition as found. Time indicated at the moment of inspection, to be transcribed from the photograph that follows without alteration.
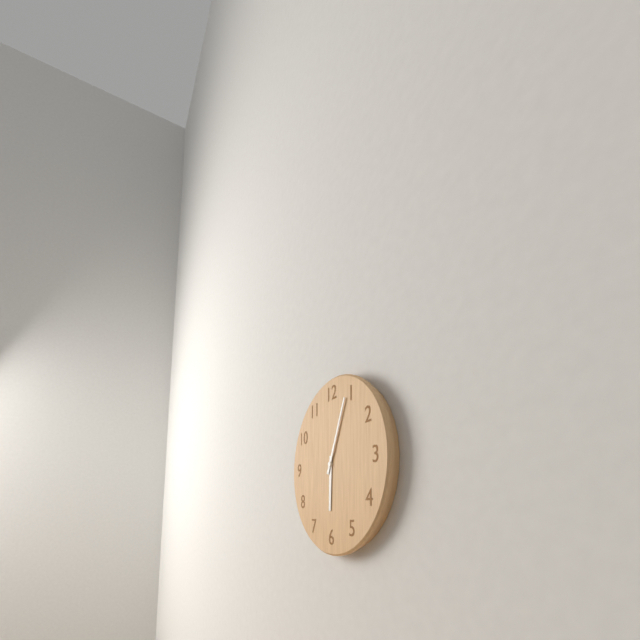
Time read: 6:04
